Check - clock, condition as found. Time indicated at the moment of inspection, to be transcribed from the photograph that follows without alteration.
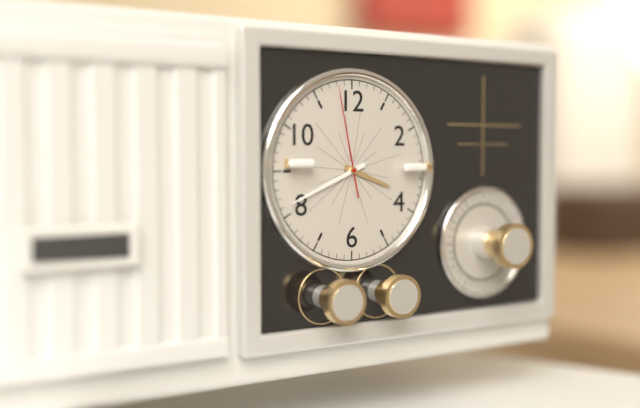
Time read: 3:41:58
